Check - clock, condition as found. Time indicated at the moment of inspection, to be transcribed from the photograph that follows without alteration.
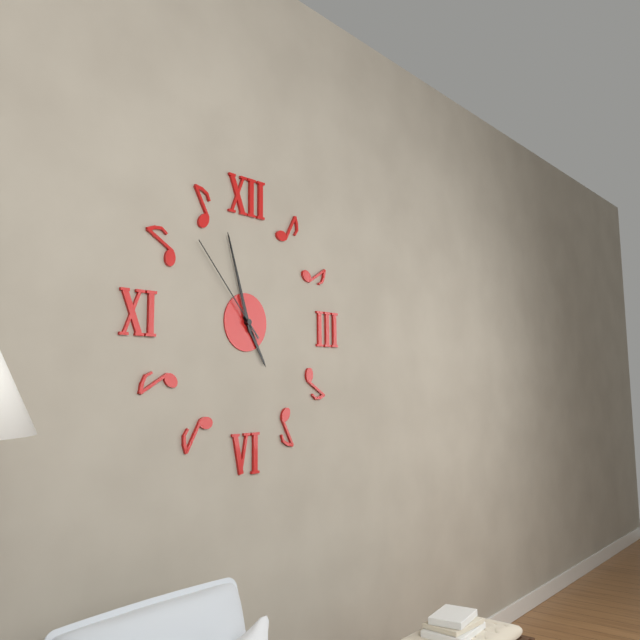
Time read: 4:57:53
